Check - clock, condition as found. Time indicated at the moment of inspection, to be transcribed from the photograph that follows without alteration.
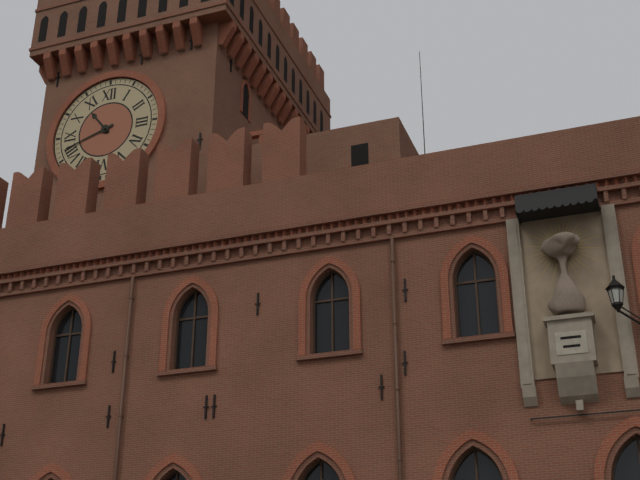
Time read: 10:42
